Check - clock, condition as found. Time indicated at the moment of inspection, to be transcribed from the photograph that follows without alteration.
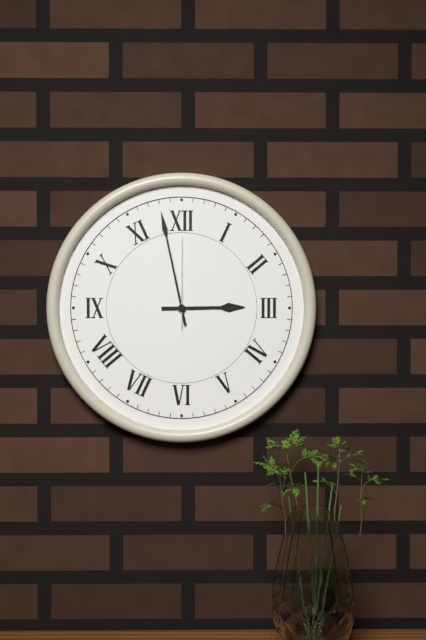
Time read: 2:58:00
